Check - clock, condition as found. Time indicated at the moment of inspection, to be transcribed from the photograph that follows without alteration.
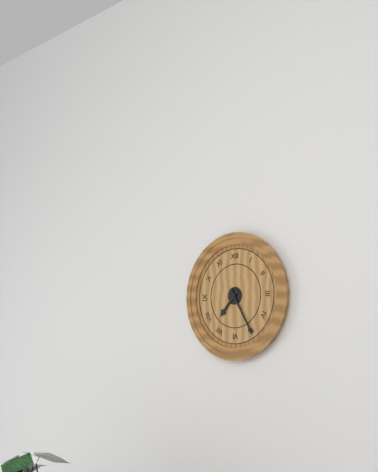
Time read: 7:25
